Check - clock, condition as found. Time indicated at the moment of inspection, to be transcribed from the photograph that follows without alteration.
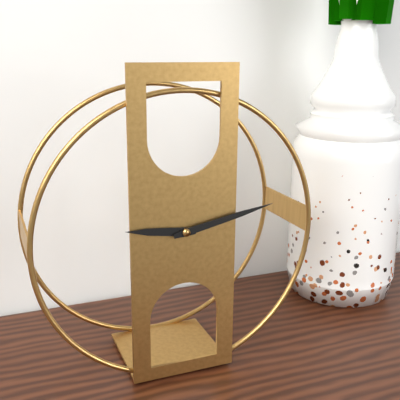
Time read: 9:13
